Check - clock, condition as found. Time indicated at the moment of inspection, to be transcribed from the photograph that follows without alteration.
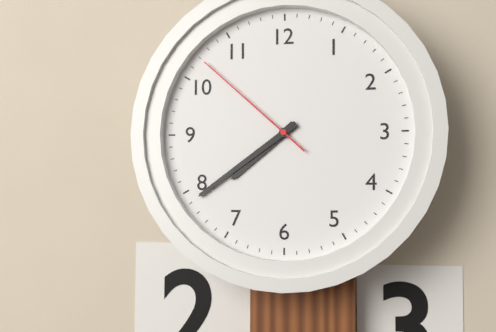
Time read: 7:39:52
